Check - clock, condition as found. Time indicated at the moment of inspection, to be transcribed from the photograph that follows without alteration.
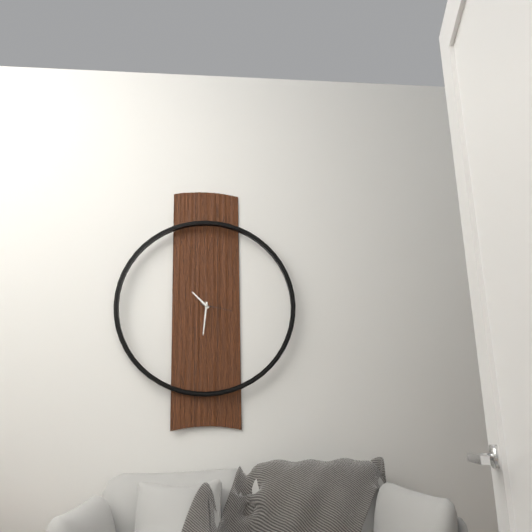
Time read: 10:31
